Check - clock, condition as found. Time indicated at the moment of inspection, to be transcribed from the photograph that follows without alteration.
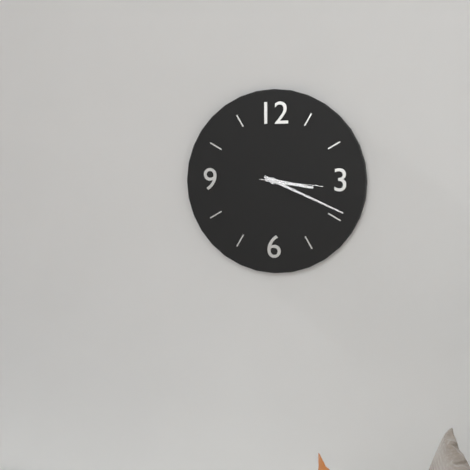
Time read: 3:19:16
